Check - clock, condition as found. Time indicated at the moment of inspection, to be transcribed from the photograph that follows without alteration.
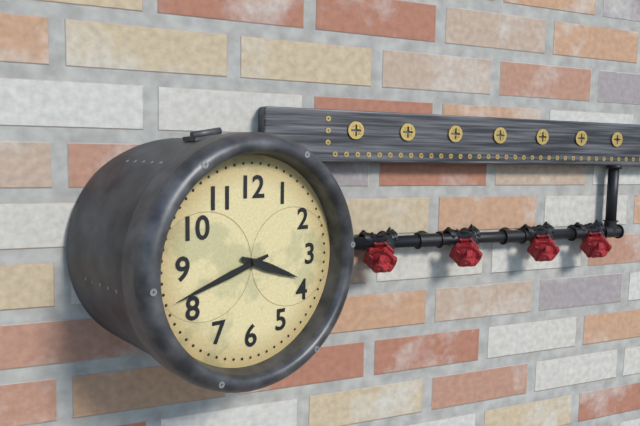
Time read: 3:42
